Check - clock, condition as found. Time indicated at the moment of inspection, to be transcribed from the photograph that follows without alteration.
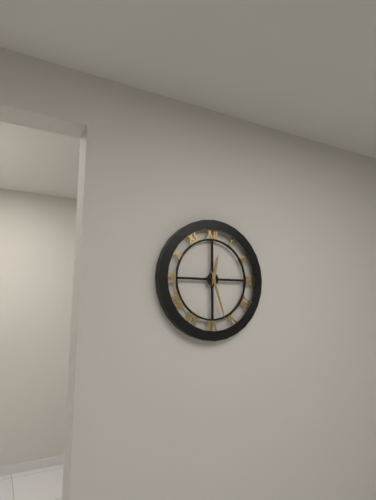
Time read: 12:27
